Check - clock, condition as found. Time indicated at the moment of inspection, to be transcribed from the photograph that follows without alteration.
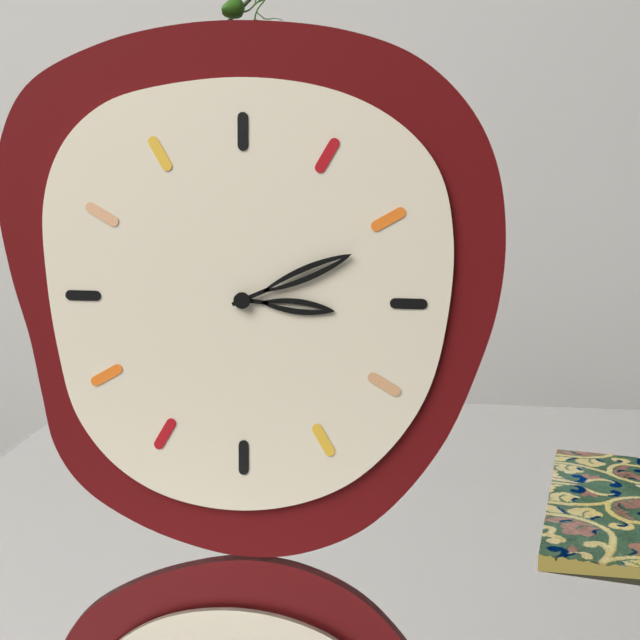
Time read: 3:11
